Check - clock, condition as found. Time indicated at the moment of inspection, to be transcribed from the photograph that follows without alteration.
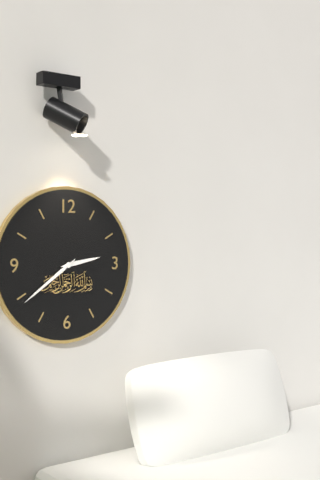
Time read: 2:39
